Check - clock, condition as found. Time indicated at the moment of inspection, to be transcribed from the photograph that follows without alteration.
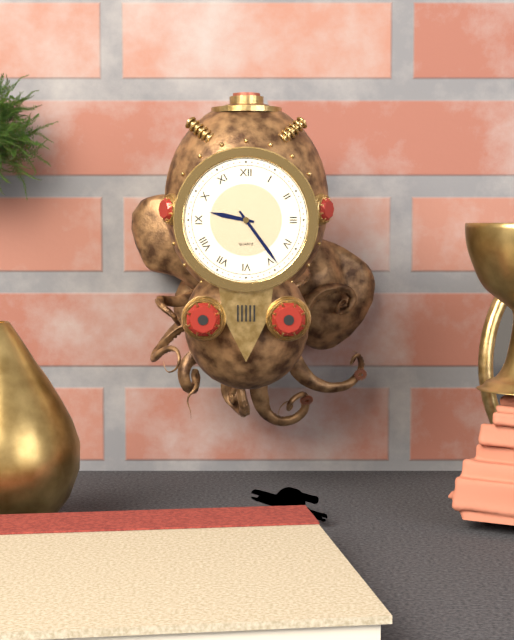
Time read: 9:24
